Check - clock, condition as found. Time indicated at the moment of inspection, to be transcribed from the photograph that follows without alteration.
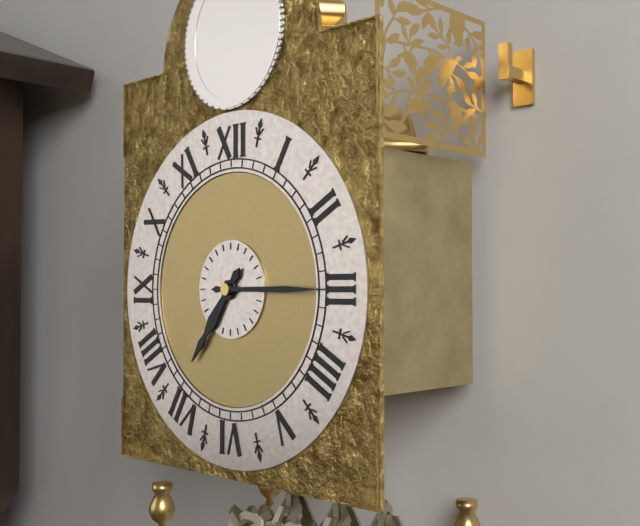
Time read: 7:15
